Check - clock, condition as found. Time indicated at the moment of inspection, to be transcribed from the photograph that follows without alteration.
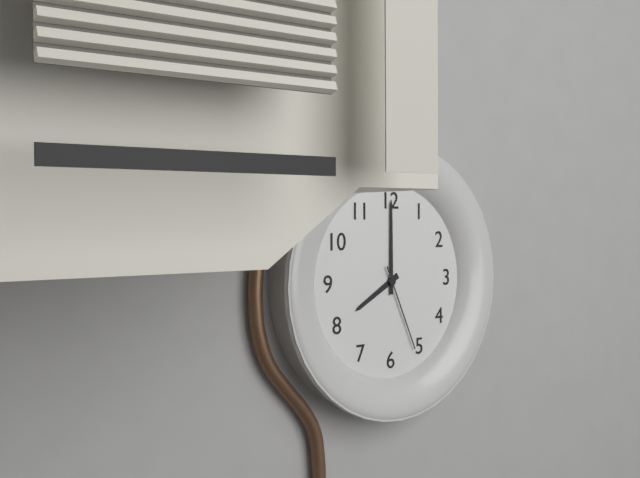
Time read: 8:00:26
